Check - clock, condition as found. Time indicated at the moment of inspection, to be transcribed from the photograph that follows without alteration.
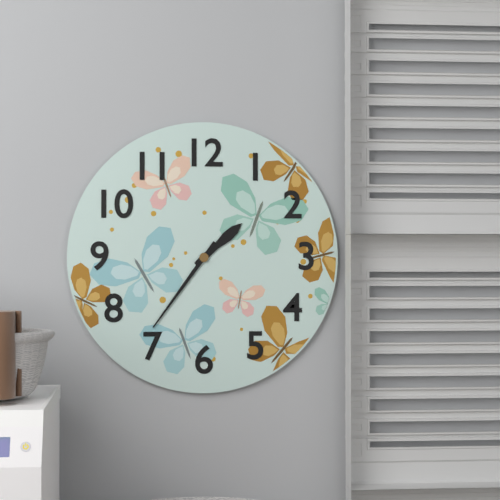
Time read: 1:36
